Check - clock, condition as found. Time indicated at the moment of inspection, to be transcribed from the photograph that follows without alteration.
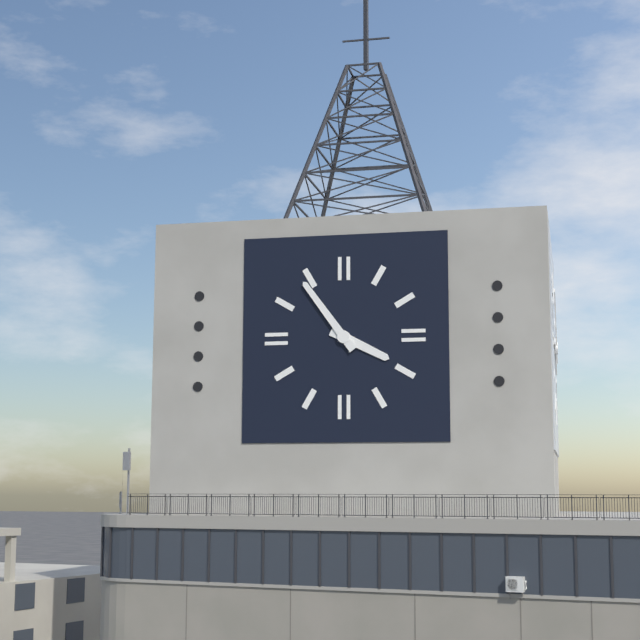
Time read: 3:54
